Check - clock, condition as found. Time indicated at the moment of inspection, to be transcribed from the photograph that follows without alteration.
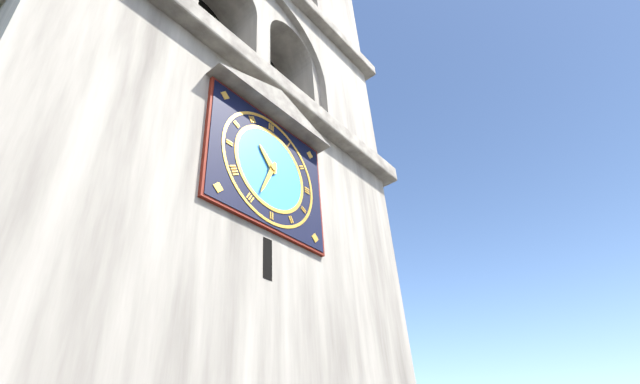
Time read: 10:34
